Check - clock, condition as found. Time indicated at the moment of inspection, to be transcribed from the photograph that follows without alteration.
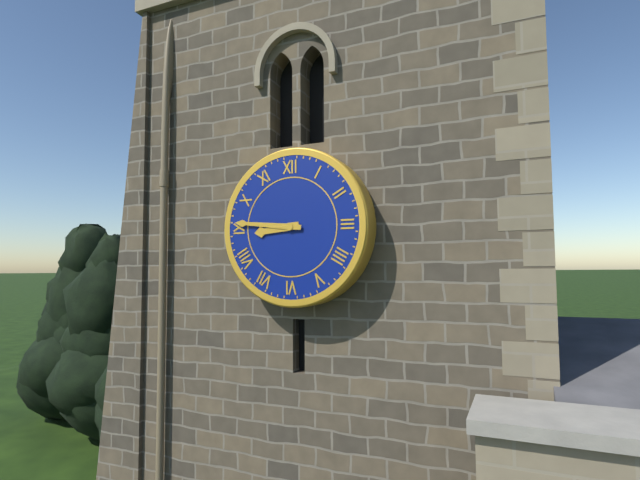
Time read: 8:46
